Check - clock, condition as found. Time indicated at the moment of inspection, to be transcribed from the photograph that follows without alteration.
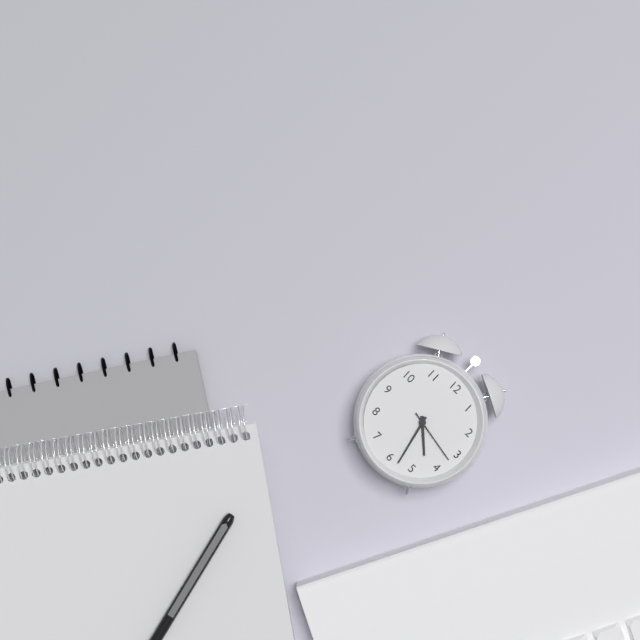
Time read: 4:28:17
